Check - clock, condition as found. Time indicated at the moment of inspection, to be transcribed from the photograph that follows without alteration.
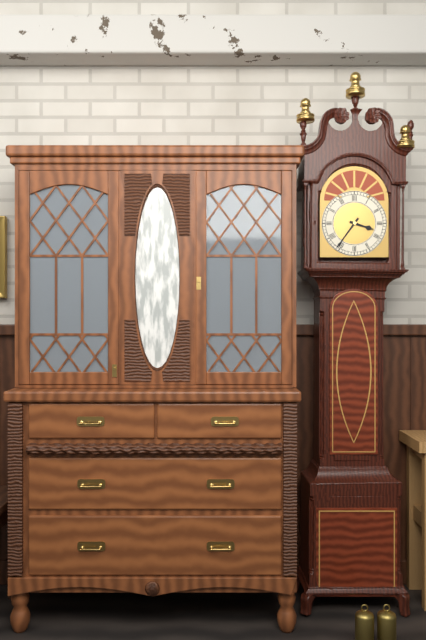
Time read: 3:36
